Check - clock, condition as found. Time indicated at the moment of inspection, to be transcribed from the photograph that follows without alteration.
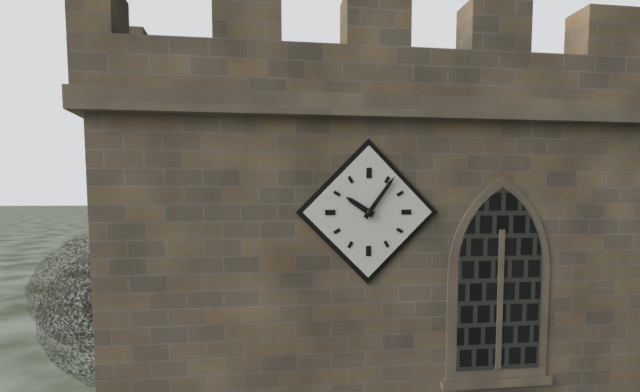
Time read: 10:06
